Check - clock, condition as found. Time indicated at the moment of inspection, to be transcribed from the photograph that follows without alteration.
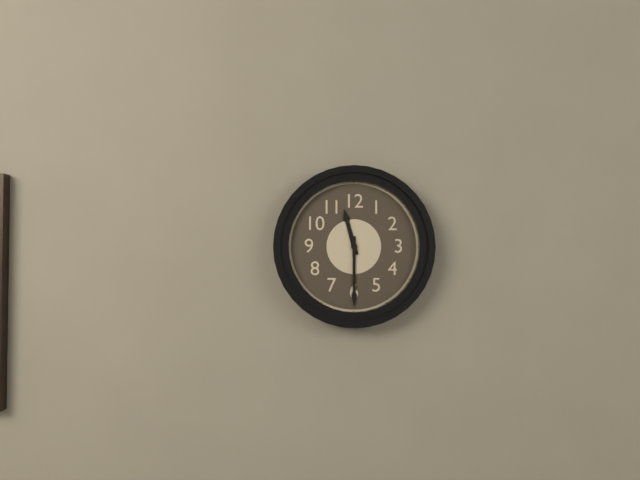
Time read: 11:30
